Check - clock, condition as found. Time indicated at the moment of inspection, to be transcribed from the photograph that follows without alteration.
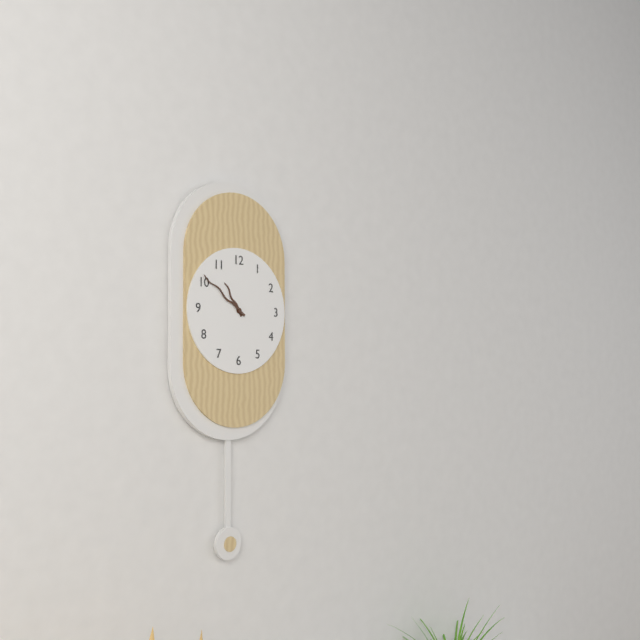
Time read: 10:51
